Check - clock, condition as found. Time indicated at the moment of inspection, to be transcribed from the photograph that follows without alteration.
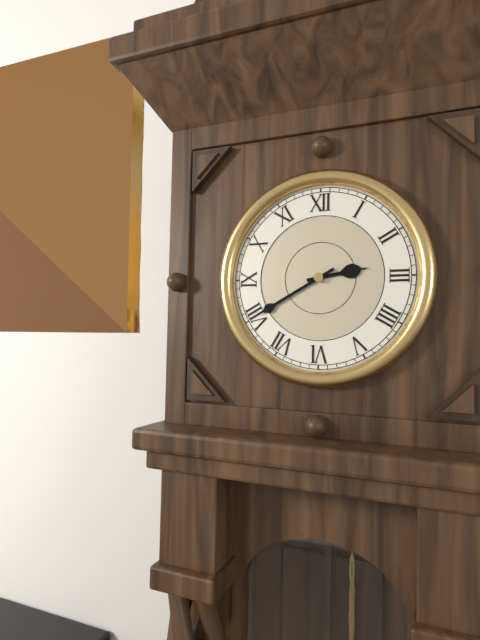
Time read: 2:40
